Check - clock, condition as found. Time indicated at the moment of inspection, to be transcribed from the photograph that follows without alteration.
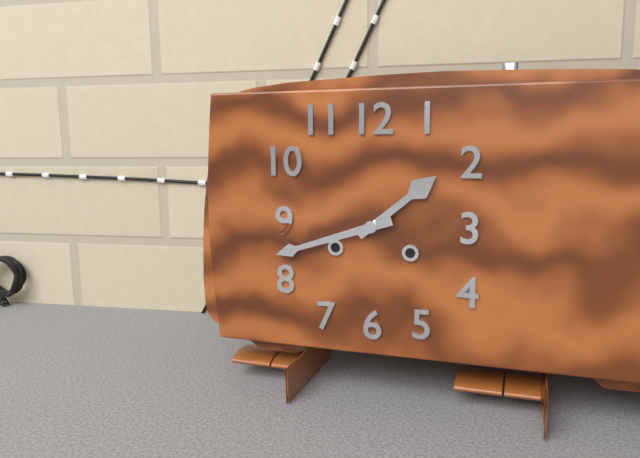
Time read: 1:42
